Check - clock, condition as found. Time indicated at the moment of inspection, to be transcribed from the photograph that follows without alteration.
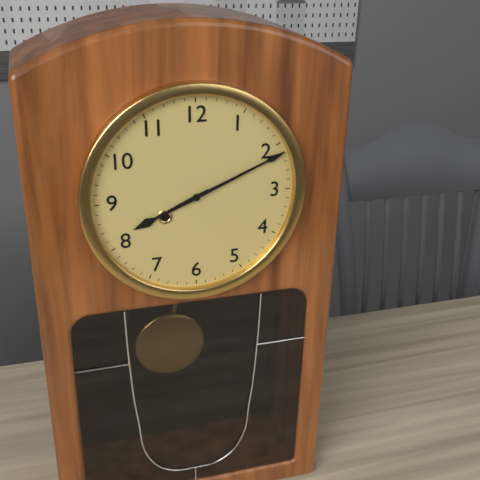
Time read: 8:11
